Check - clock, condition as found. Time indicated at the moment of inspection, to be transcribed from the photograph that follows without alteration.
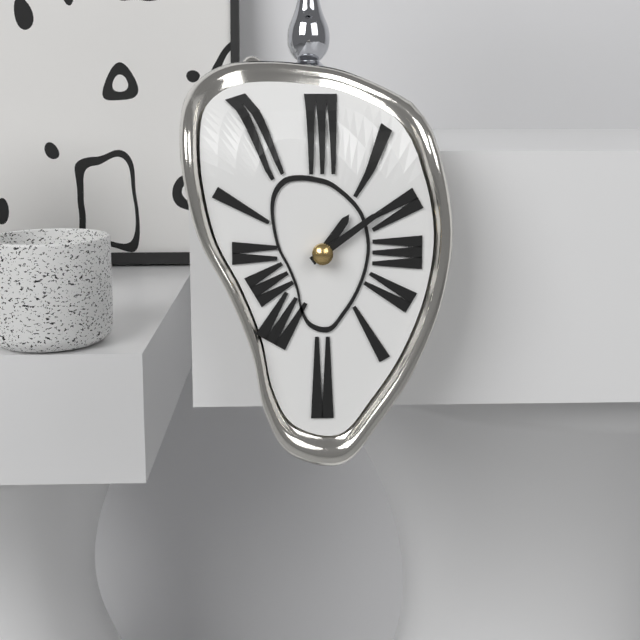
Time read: 1:09
